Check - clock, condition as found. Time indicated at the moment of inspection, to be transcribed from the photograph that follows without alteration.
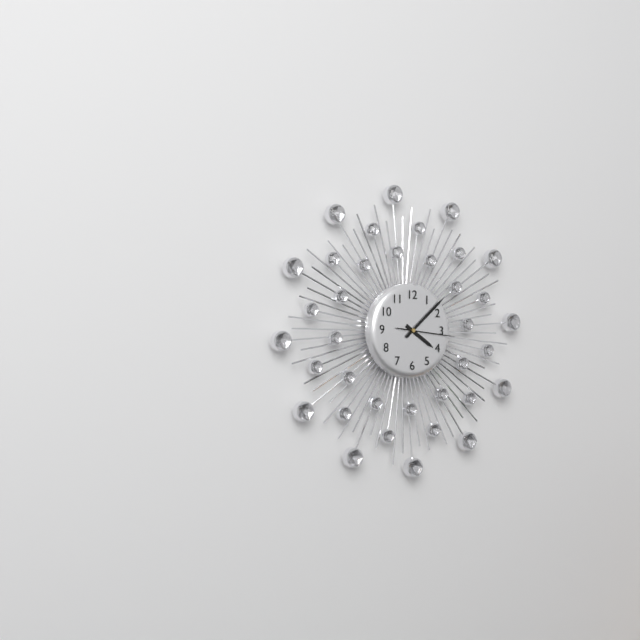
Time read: 4:08:16
